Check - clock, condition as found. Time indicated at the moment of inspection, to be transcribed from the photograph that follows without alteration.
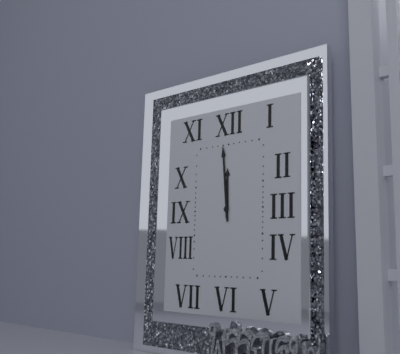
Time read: 11:59
